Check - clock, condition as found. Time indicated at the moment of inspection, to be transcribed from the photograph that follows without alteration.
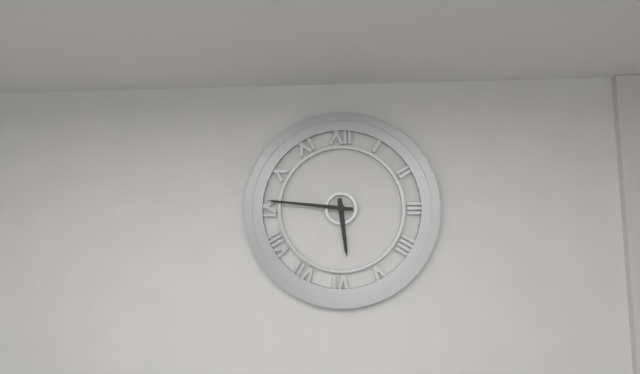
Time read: 5:46
